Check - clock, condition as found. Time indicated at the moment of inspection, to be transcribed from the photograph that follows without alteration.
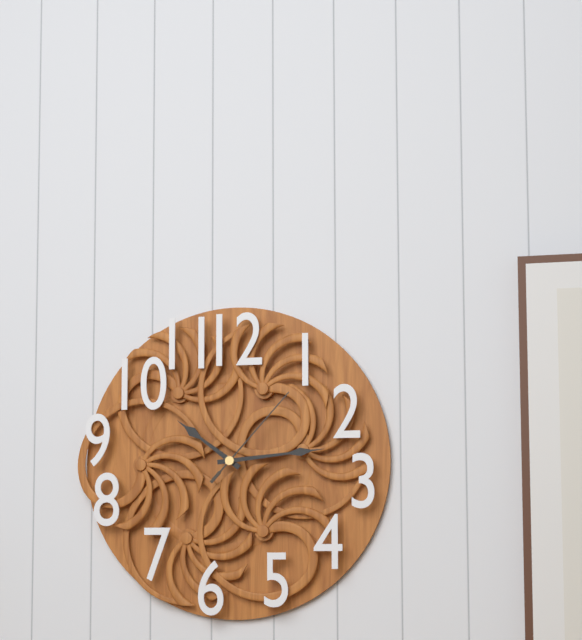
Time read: 10:14:07
